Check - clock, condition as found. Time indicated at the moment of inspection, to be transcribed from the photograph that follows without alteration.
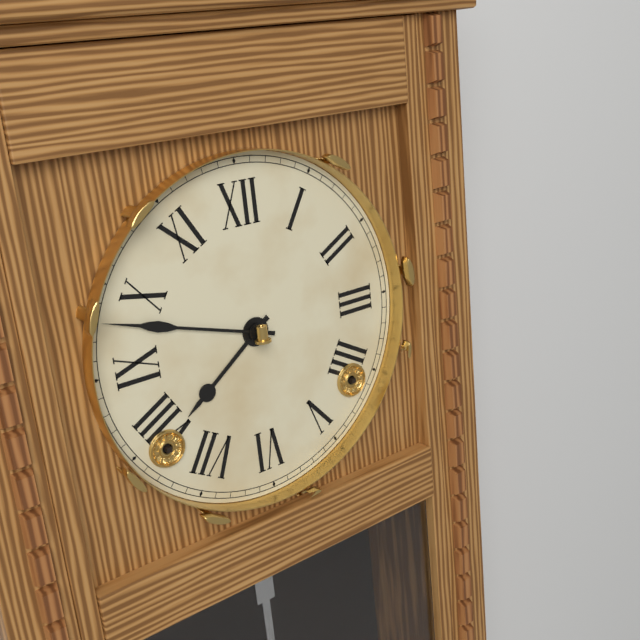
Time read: 7:48
